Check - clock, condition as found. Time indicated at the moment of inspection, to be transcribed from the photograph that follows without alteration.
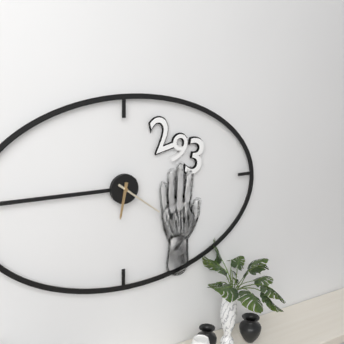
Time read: 6:21
